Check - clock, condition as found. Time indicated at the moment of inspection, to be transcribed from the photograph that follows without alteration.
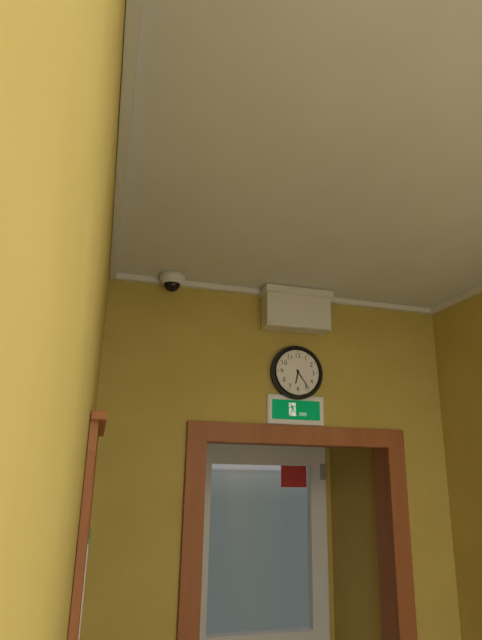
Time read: 6:24
